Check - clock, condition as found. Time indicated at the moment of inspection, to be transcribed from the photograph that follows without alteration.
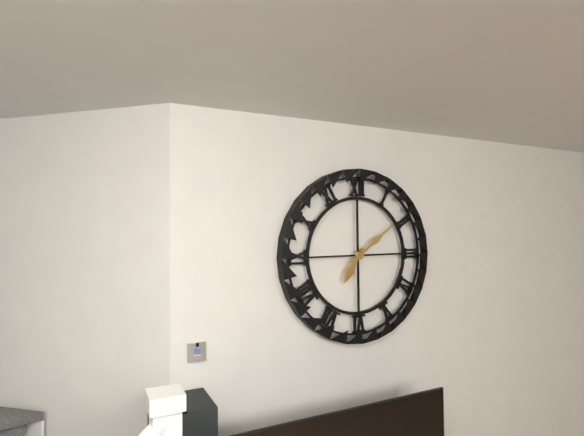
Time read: 7:09
